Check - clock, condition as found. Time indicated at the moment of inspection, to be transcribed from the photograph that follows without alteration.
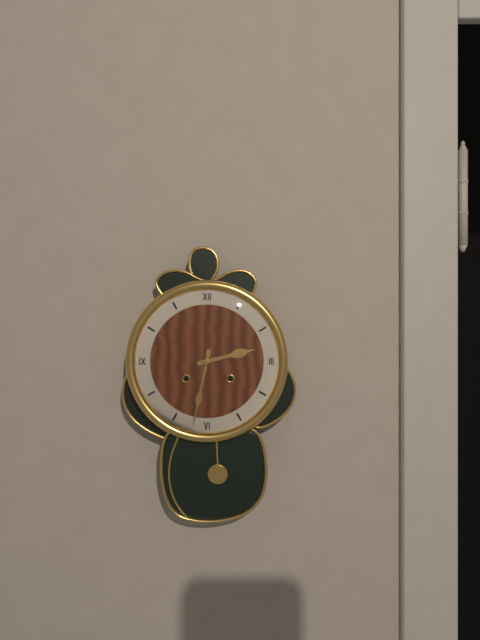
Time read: 2:32
